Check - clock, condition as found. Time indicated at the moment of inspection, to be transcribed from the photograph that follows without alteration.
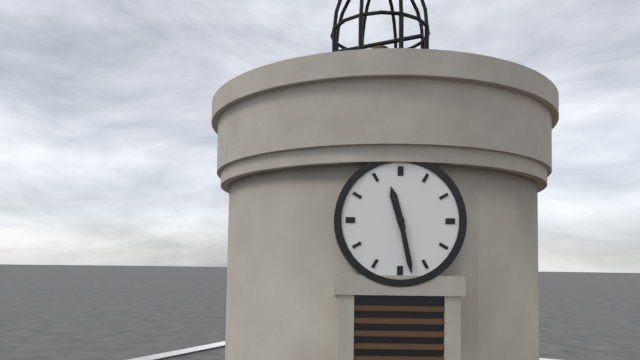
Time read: 11:28
